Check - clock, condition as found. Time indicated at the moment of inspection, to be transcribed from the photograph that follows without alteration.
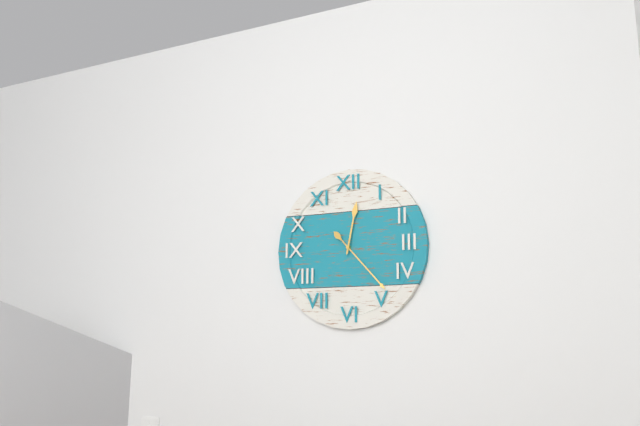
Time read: 12:23
